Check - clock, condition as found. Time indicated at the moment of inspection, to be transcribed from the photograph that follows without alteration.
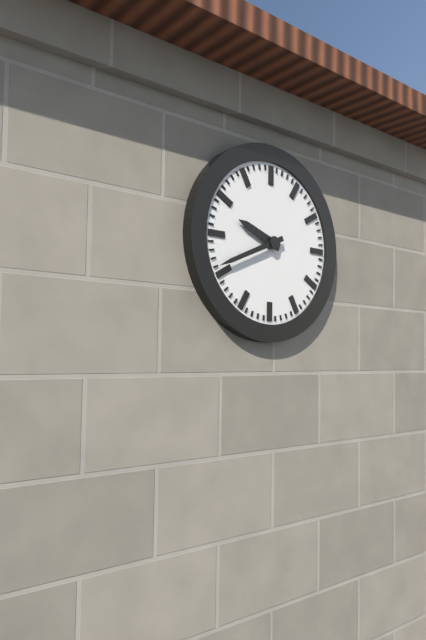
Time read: 9:41
